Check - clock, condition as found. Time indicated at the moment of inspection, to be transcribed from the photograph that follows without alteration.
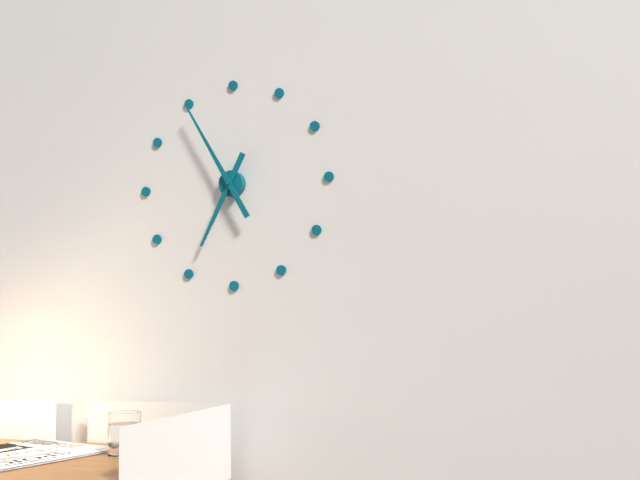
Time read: 6:55
